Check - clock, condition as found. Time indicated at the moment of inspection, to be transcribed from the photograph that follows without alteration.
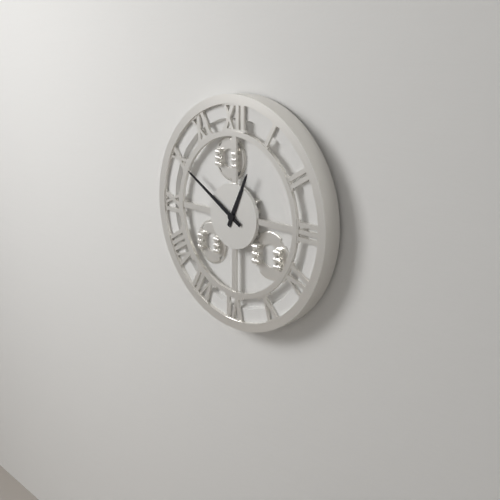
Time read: 12:50
